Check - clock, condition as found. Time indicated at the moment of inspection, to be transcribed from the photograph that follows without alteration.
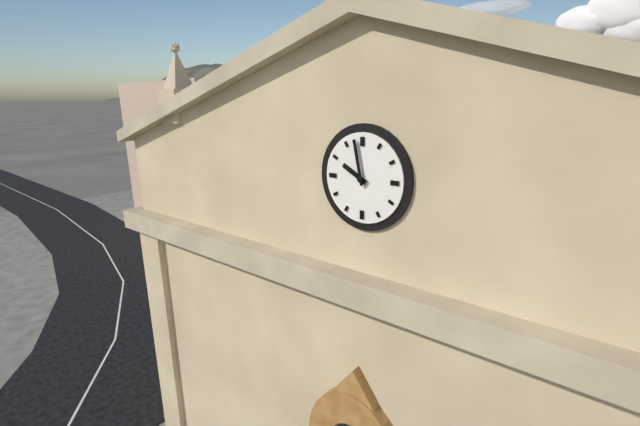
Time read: 9:58
